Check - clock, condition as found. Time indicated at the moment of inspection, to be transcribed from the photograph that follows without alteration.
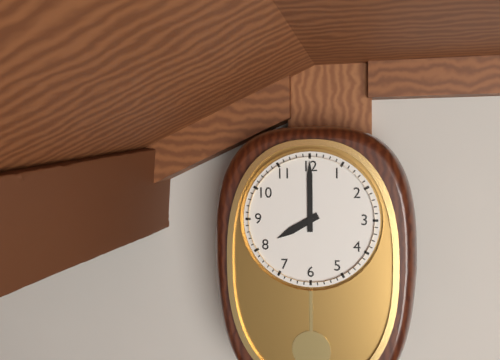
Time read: 8:00
